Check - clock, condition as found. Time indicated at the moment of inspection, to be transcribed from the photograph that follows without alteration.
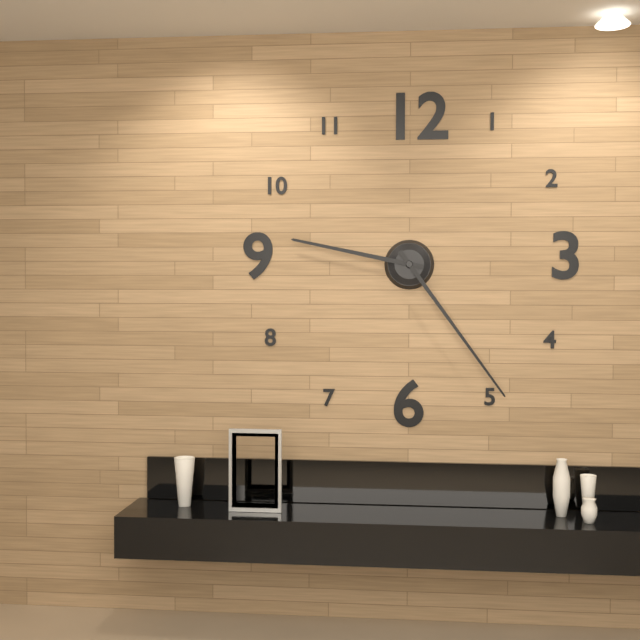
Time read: 9:24
